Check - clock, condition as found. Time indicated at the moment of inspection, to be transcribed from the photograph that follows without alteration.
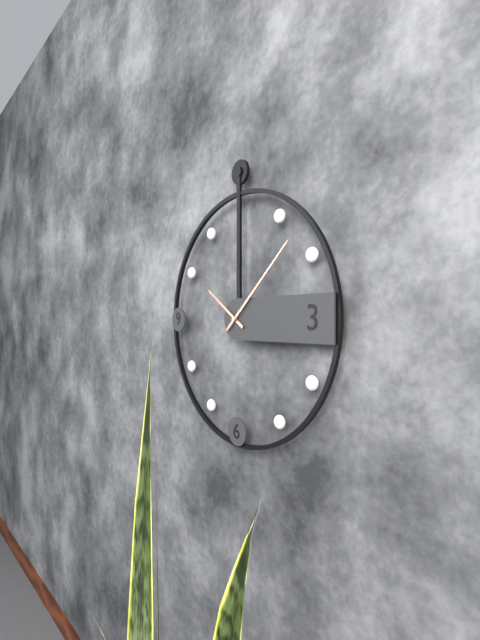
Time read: 10:08
